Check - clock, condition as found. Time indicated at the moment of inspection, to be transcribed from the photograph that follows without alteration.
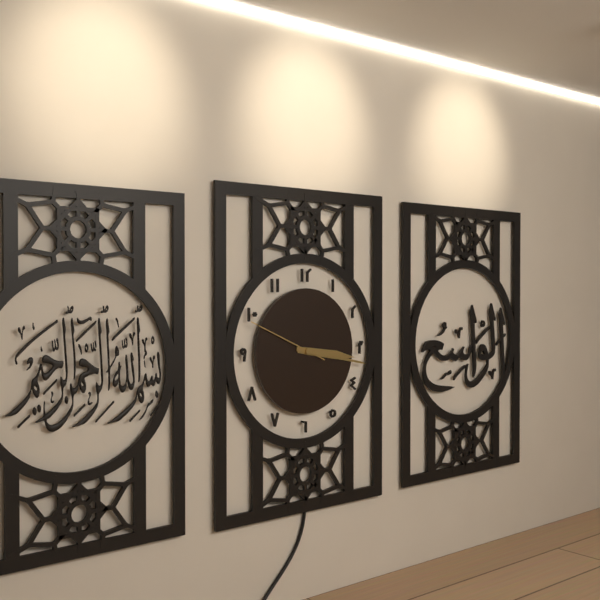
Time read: 3:17:49
